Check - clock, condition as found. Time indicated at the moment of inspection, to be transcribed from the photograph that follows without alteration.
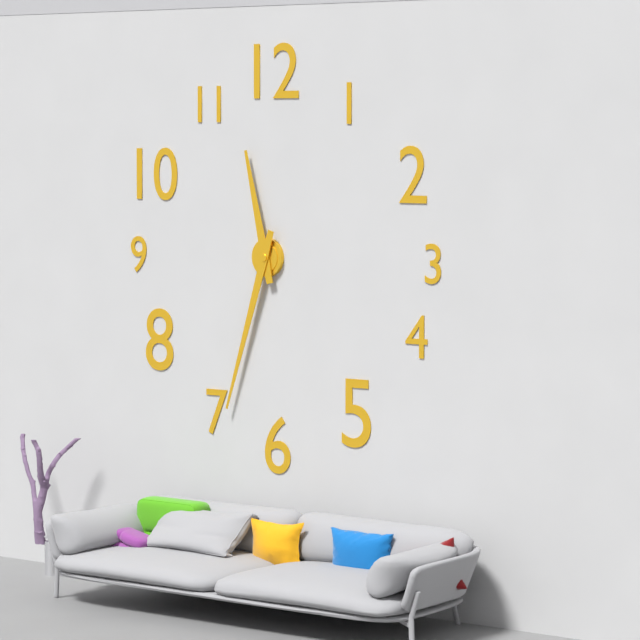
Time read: 11:33
